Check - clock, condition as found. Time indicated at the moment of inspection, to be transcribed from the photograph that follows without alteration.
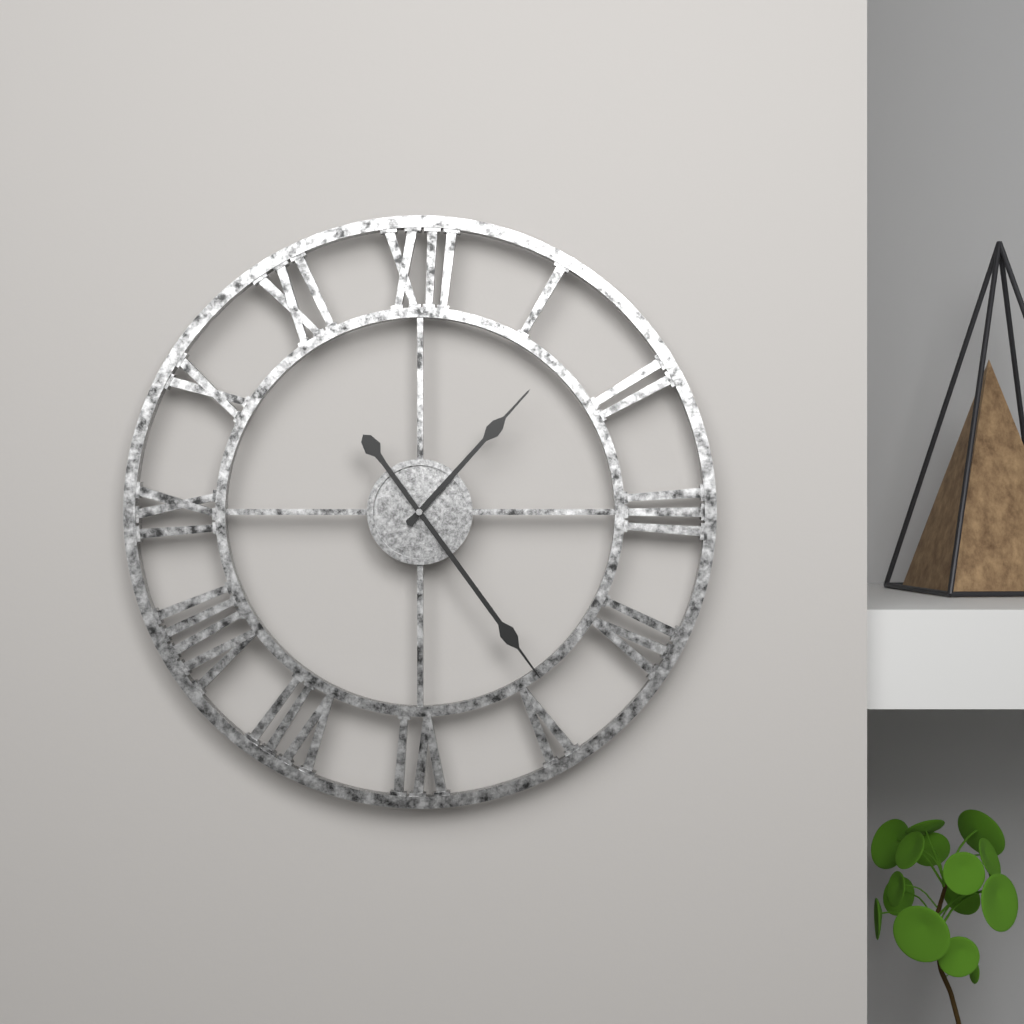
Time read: 1:24
